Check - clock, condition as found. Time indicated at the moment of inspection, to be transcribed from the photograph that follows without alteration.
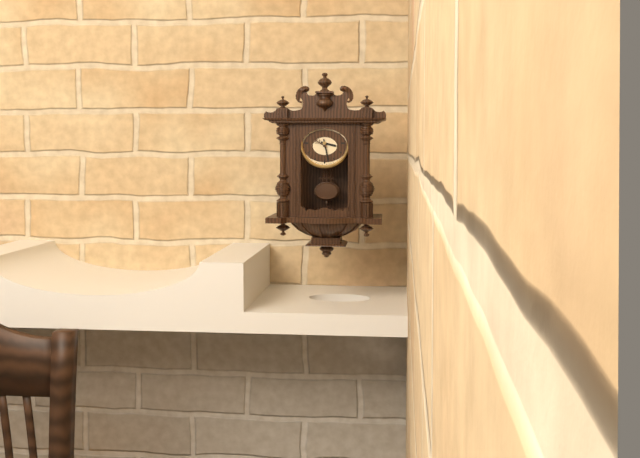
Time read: 3:28
